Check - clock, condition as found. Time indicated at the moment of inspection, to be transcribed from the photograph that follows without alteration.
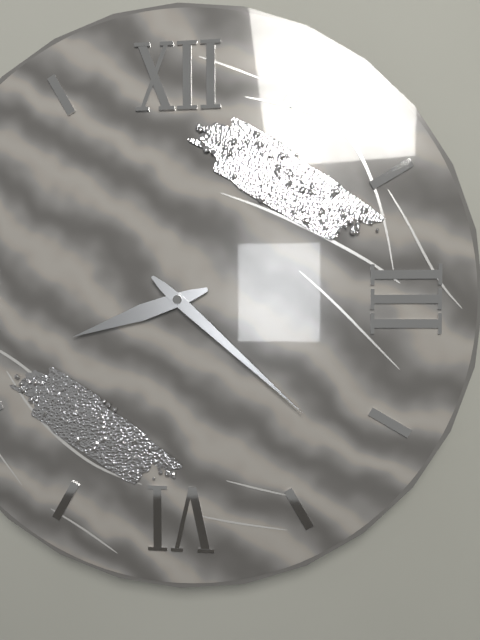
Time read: 8:22
